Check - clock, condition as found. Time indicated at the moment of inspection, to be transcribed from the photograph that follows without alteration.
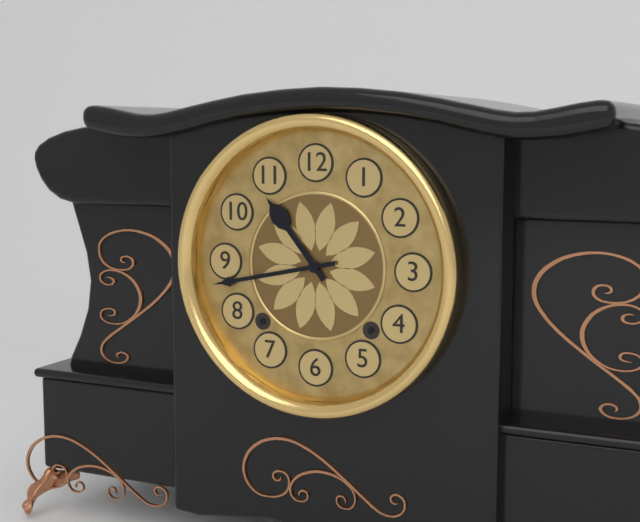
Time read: 10:43
